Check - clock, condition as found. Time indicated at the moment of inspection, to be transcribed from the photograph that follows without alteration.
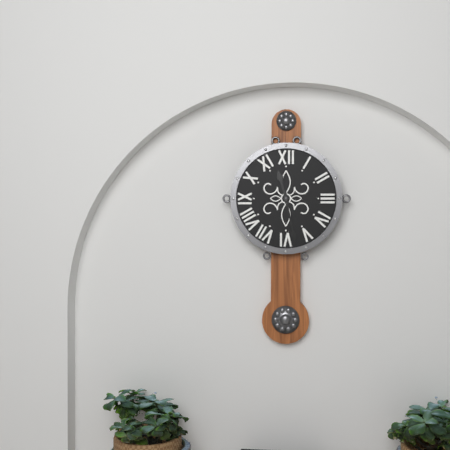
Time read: 11:28
